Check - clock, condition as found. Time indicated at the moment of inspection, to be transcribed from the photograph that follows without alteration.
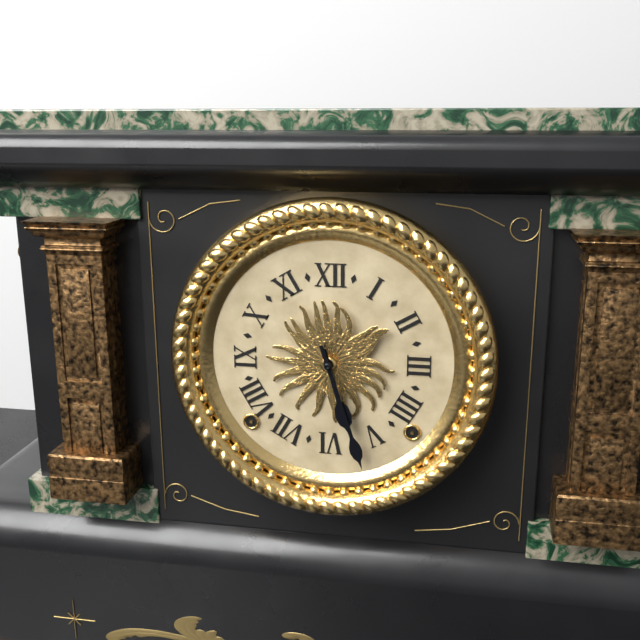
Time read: 5:27
